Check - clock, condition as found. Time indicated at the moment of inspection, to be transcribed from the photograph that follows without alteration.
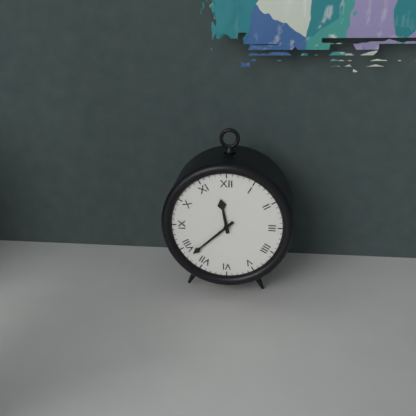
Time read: 11:38
